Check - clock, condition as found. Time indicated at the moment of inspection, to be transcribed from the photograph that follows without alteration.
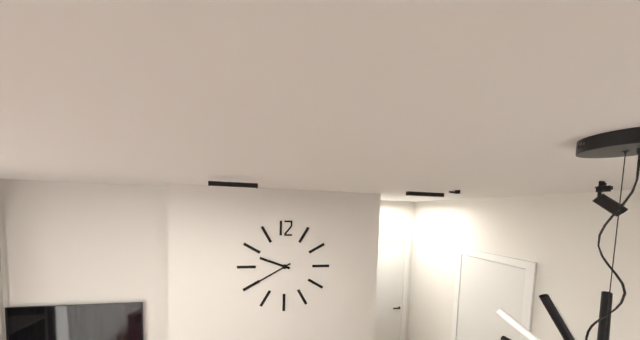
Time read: 9:40
